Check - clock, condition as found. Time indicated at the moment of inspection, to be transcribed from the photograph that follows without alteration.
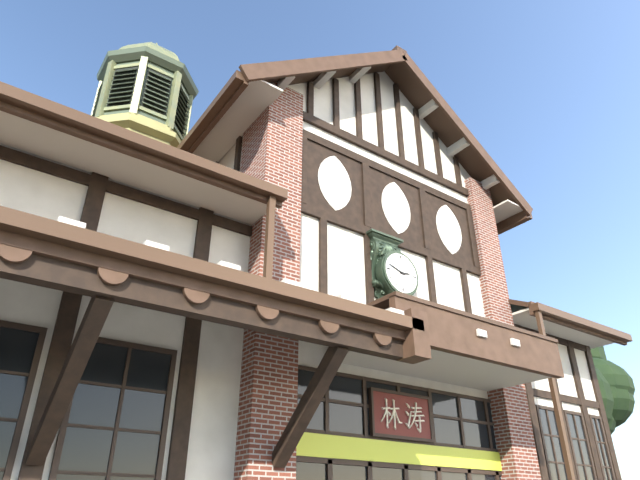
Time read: 2:48
